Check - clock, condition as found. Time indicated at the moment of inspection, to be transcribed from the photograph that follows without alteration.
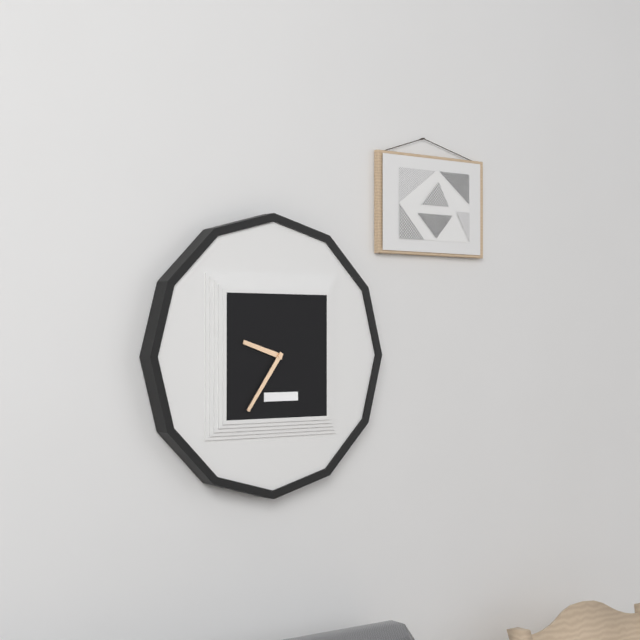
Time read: 9:36
